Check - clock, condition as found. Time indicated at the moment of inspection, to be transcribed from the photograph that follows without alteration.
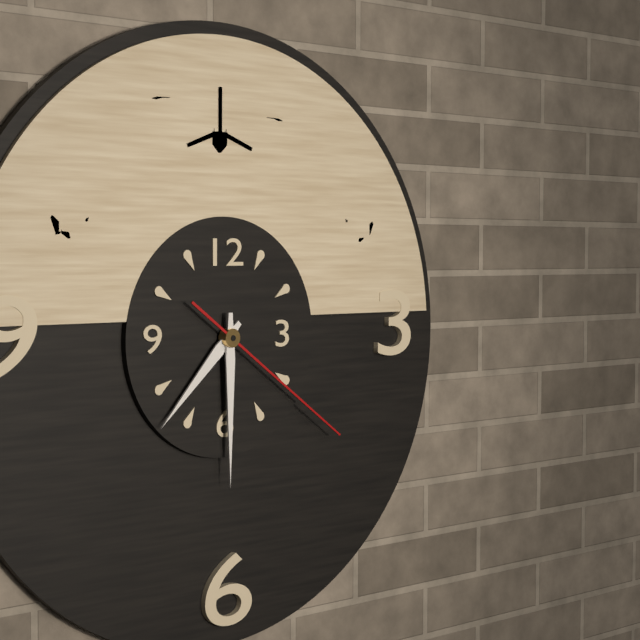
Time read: 7:30:21
